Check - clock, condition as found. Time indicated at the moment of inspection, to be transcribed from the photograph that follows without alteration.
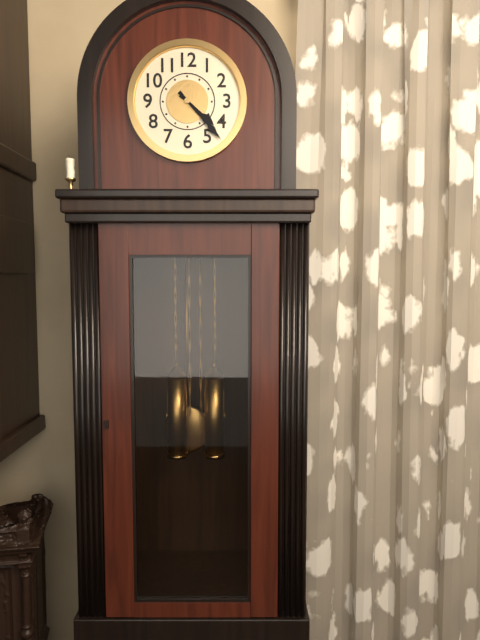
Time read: 4:23
